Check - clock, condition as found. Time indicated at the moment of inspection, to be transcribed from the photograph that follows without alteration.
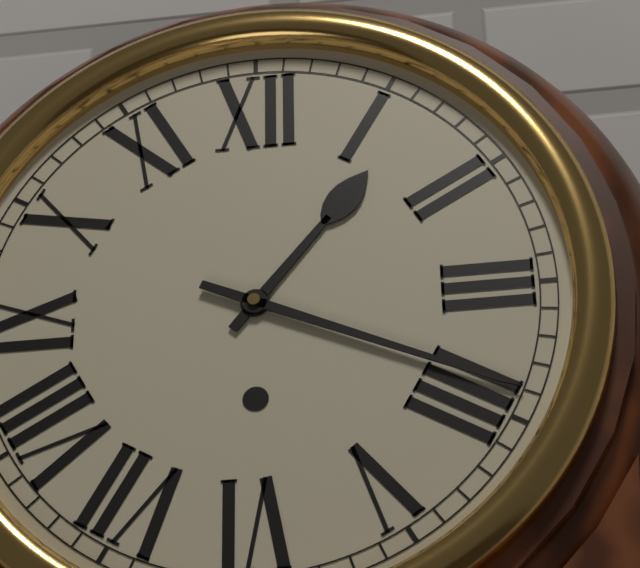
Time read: 1:19
